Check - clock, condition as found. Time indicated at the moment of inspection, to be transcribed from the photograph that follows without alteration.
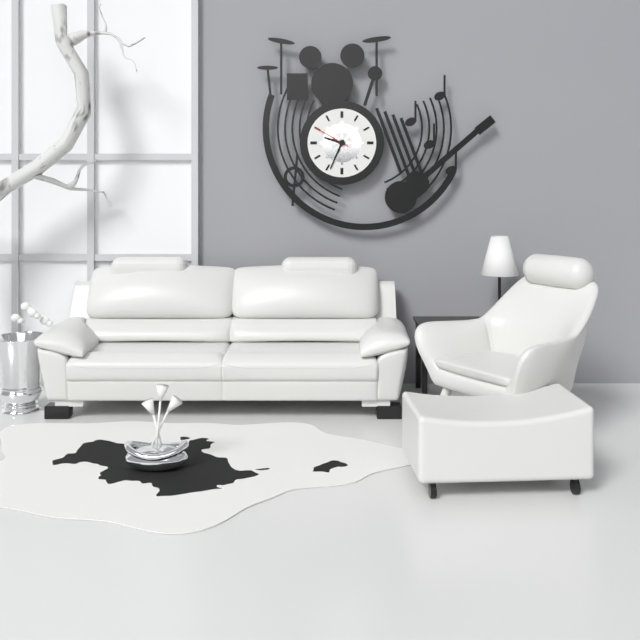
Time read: 9:34
